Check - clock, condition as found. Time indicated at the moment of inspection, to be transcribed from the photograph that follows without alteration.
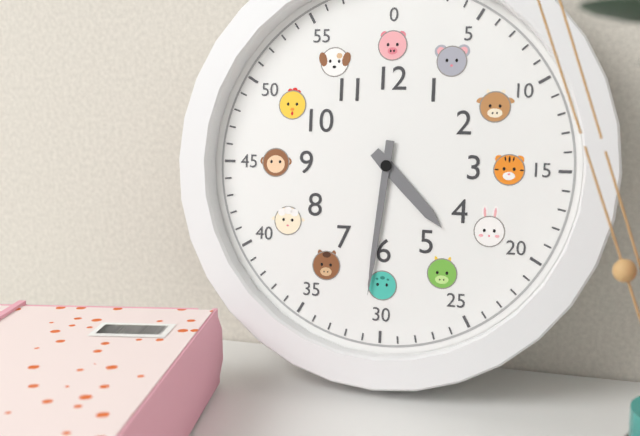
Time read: 4:31
